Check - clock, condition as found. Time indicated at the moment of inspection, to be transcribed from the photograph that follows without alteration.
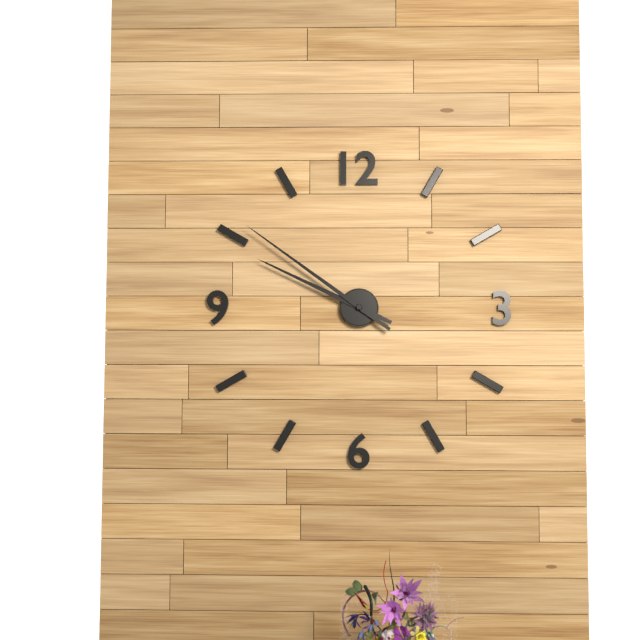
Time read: 9:51
